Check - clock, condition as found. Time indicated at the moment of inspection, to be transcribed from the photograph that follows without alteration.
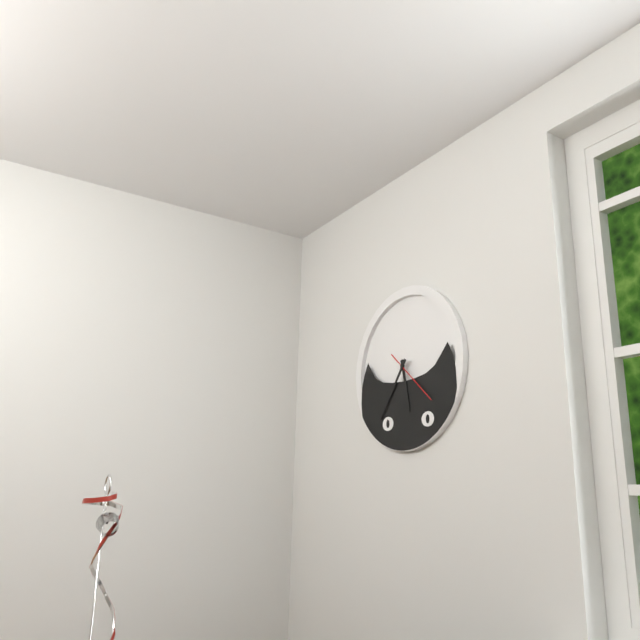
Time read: 5:36:22
